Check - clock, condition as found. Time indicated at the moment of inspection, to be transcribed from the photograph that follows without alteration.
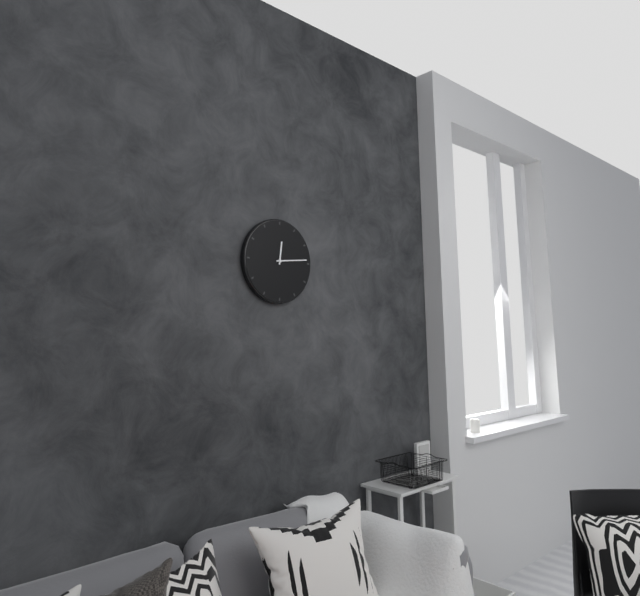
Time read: 12:14
